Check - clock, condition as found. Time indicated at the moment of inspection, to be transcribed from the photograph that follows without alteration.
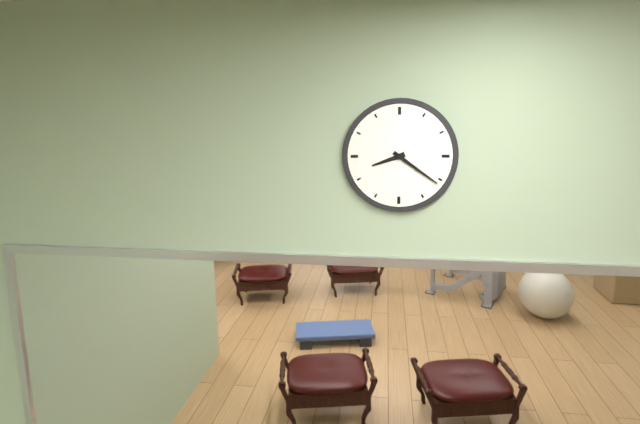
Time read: 8:21
